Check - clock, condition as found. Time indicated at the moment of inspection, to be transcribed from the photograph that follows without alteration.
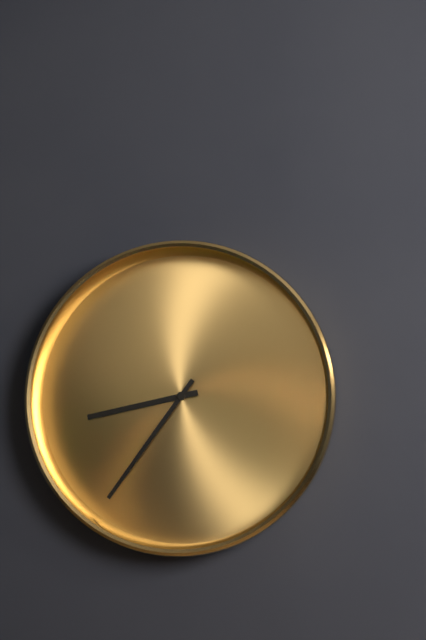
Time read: 8:36
